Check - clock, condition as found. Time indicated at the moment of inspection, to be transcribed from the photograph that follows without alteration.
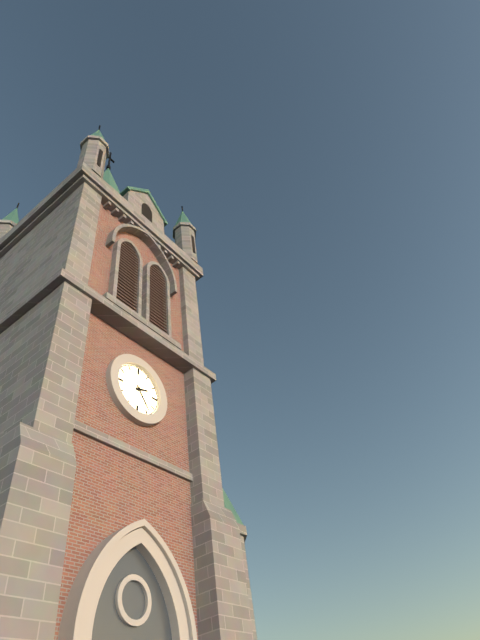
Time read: 2:24
